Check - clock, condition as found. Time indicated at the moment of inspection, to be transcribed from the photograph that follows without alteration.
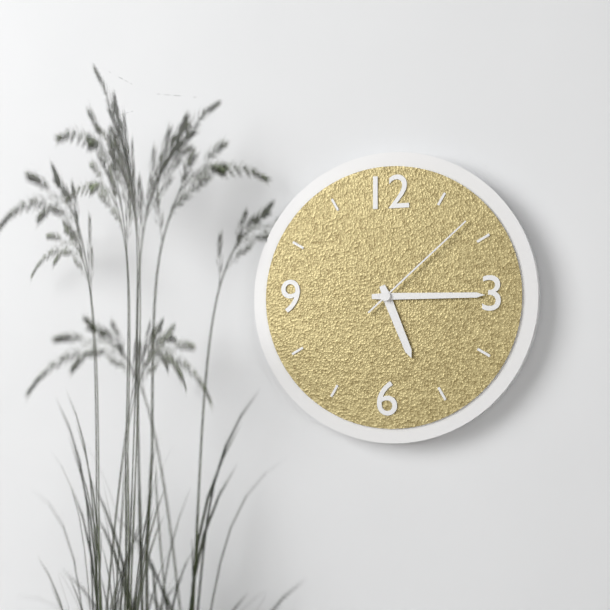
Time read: 5:15:08
